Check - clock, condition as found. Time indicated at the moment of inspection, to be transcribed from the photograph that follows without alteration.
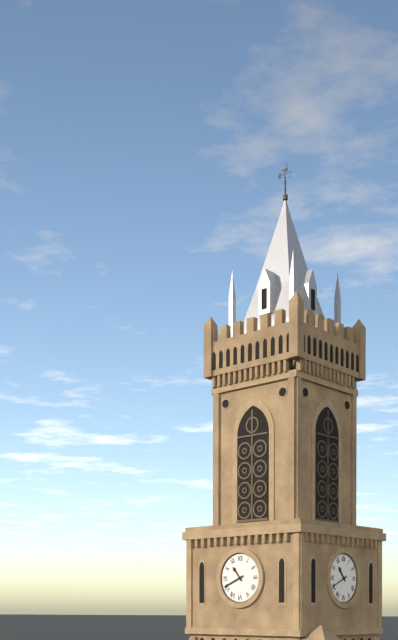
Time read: 10:41
